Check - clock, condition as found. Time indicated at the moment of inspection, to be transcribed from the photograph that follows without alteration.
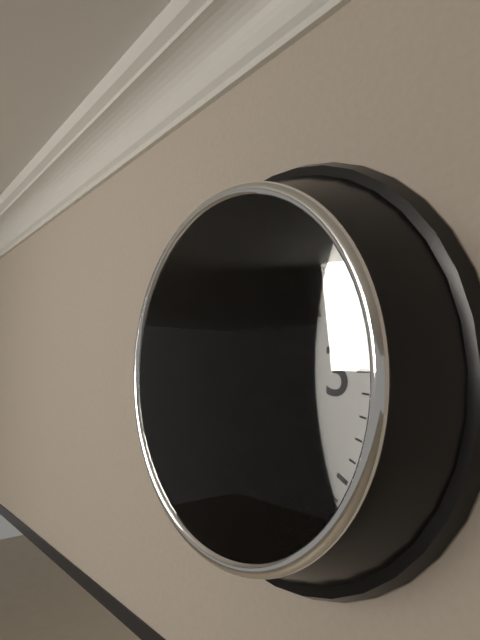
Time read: 6:45
